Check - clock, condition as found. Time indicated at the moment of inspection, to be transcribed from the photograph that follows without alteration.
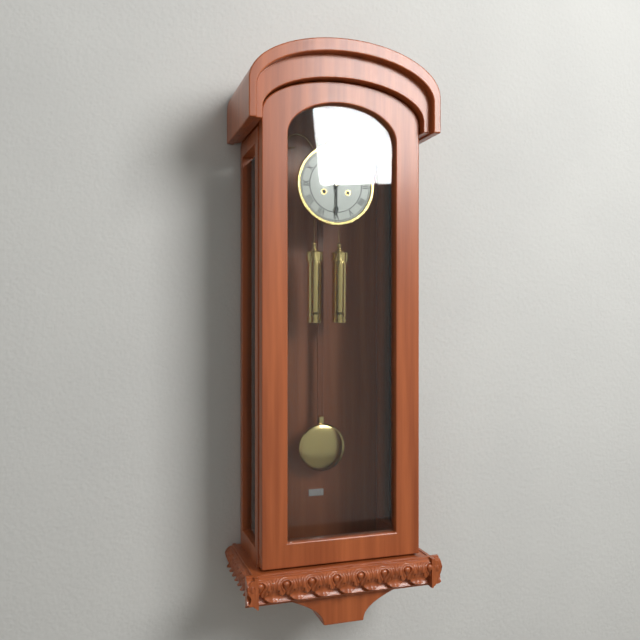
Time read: 12:30
